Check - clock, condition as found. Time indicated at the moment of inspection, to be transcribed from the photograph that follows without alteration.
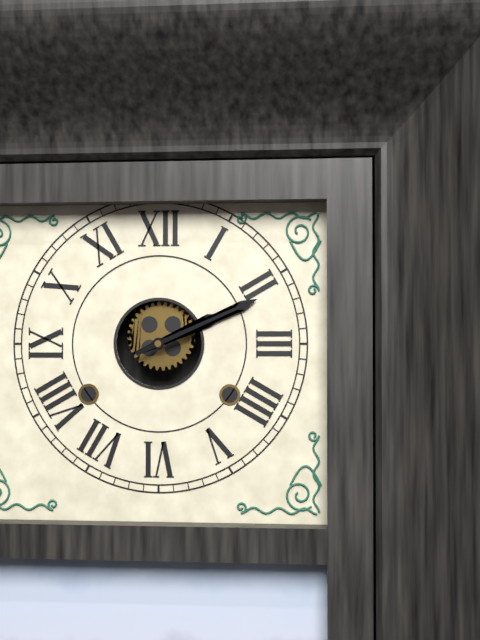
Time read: 2:11
